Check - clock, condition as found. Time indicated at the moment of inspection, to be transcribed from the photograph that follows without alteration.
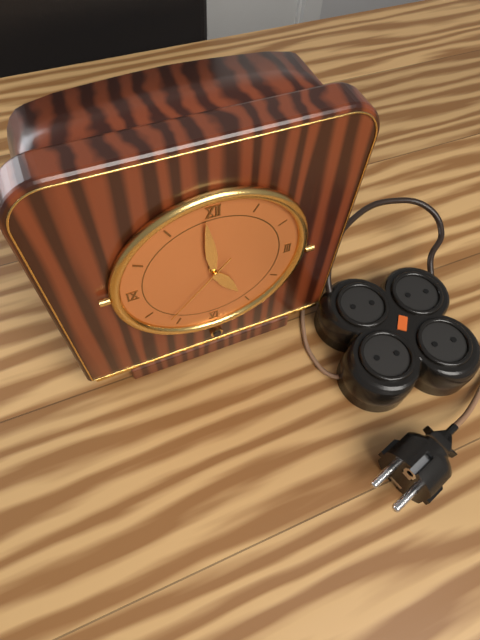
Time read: 4:59:37
